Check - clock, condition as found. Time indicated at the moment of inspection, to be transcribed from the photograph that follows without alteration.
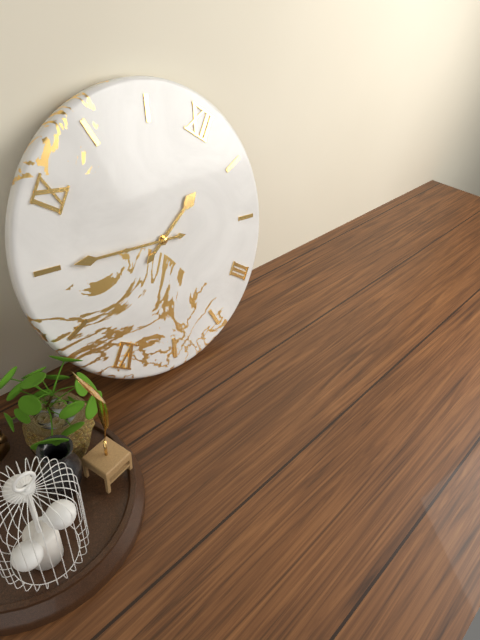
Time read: 12:40
